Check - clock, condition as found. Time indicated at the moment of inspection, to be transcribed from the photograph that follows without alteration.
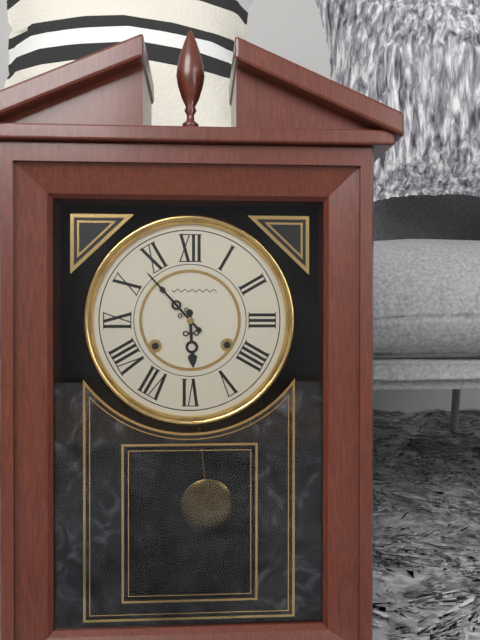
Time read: 5:53
